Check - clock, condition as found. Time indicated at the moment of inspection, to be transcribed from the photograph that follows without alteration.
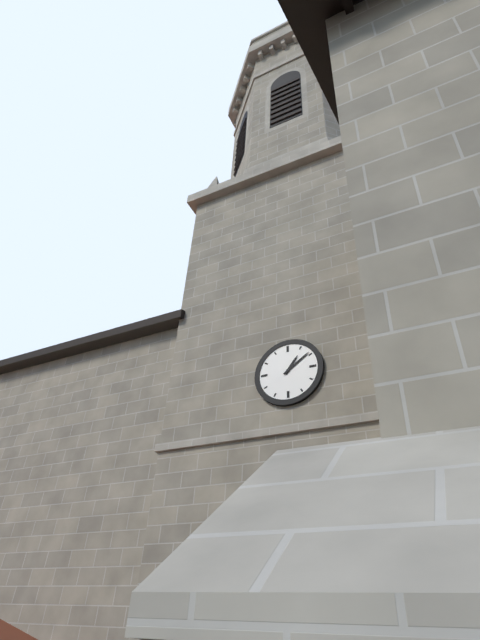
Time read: 1:09
